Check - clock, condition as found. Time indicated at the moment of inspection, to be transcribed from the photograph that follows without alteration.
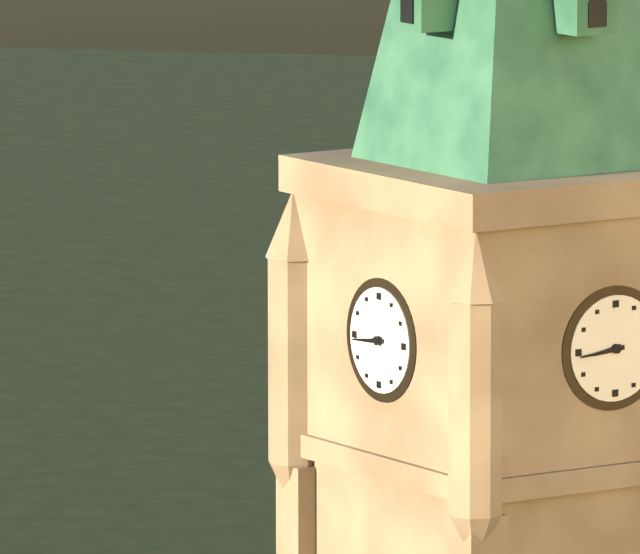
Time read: 8:44
